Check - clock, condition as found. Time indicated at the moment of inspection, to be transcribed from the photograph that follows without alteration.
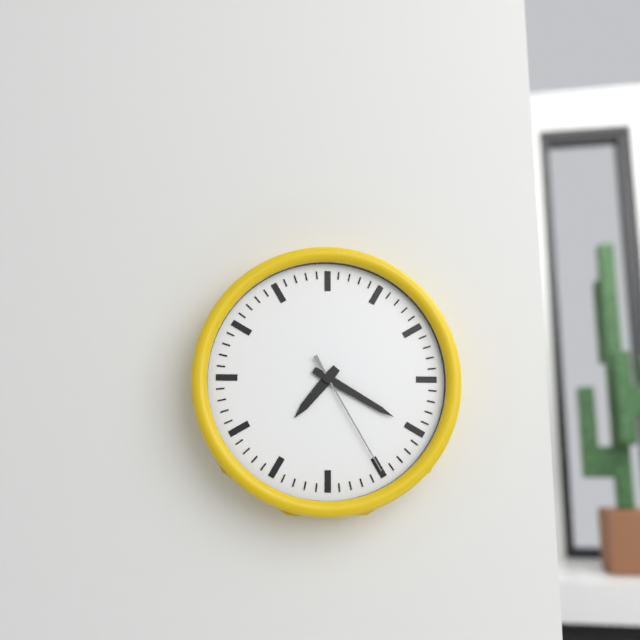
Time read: 7:20:25
